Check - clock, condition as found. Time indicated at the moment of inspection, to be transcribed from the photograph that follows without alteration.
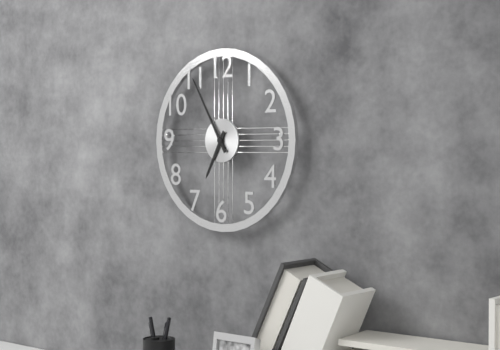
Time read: 6:55
